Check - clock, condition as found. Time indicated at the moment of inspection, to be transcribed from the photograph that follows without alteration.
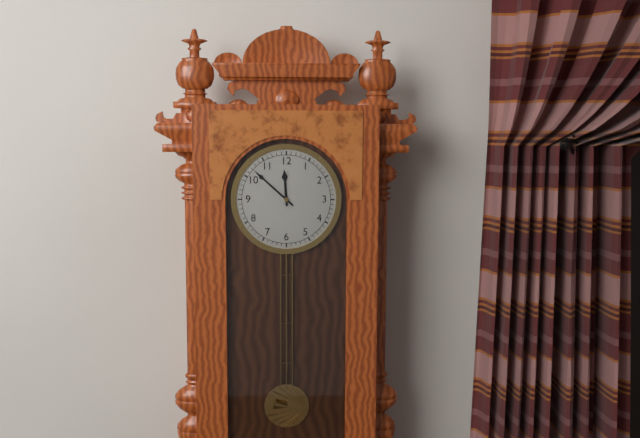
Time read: 11:52
